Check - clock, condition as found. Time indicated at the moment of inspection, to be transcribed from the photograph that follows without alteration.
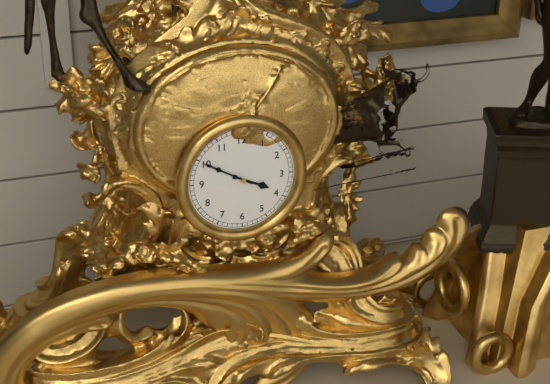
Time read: 3:50
